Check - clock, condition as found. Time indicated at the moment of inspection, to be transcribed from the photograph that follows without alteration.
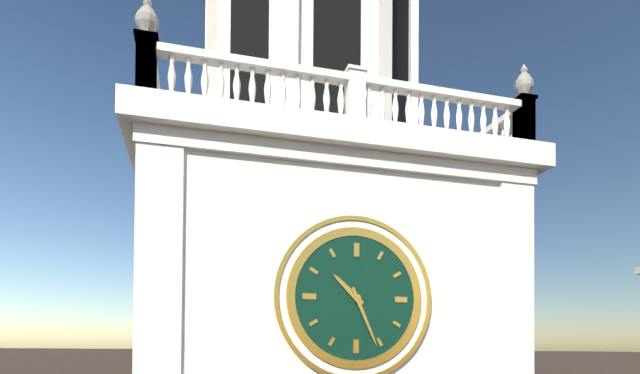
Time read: 10:26
